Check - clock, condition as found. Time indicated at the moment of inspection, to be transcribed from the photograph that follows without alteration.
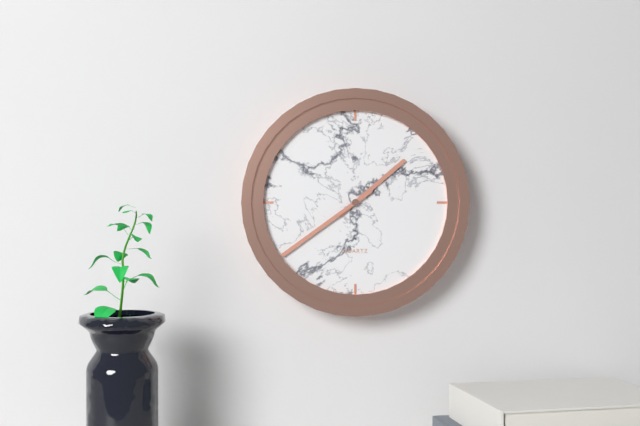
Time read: 1:39
